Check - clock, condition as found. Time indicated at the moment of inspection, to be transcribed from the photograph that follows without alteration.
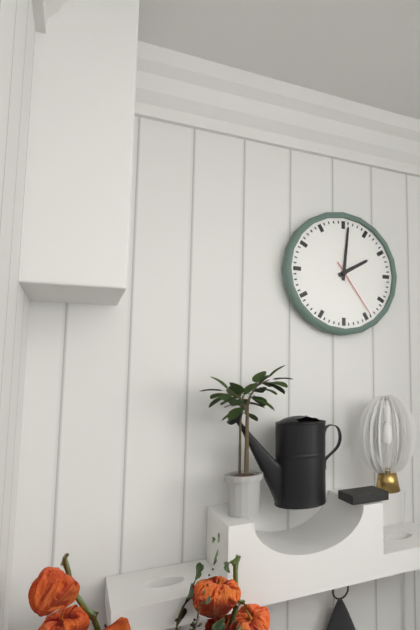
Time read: 2:01:24
